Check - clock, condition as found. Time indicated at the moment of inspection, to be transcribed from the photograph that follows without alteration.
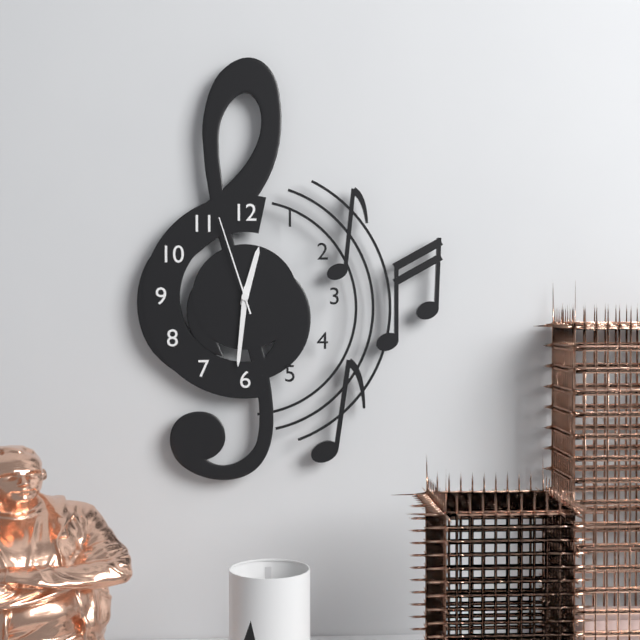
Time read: 12:31:57
